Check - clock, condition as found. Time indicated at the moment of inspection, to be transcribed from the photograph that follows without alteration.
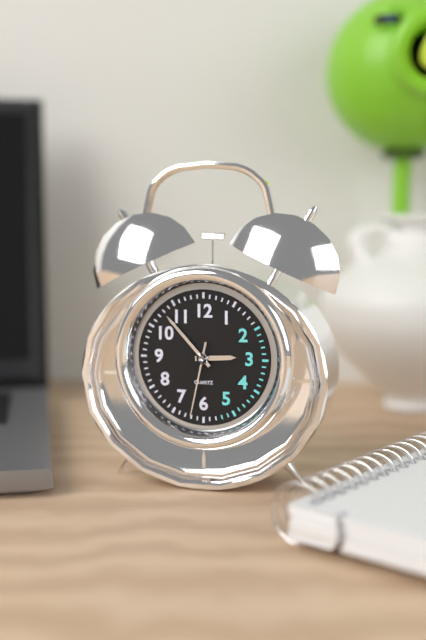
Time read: 2:53:32
